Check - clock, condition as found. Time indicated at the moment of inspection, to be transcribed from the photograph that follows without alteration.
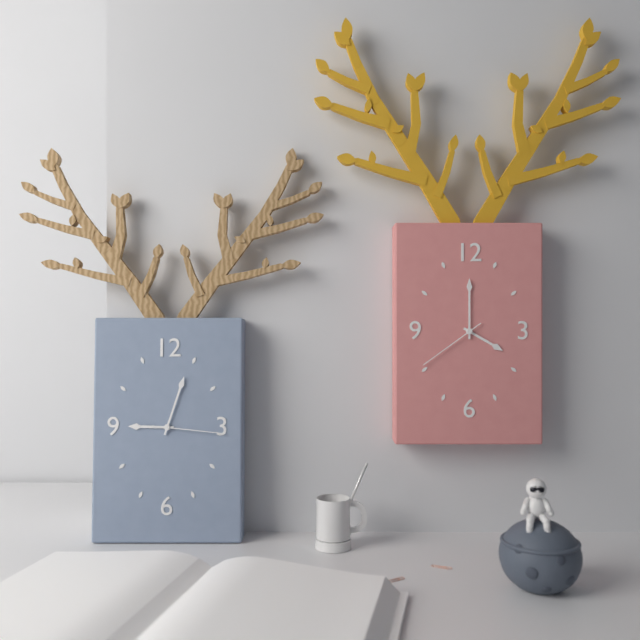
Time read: 9:03:16
